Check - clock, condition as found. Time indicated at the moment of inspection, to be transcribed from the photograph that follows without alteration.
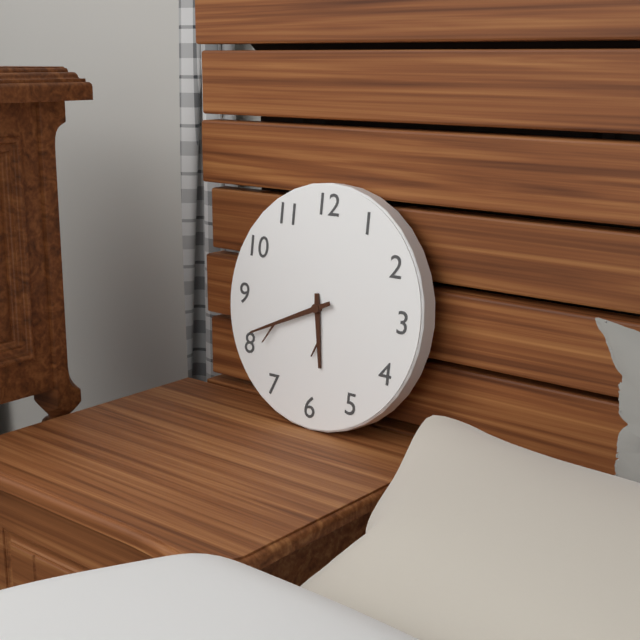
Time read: 5:41
